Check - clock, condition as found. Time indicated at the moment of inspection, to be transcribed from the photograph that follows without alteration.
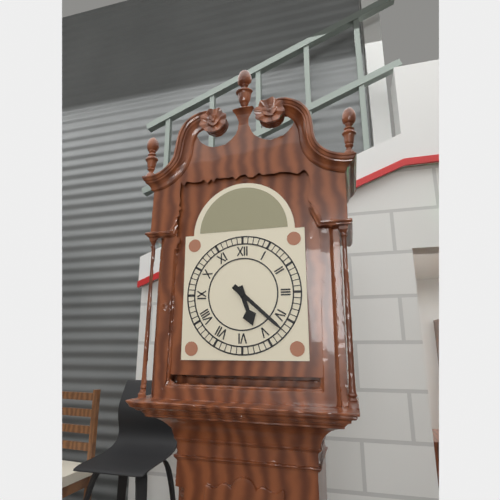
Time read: 5:22
